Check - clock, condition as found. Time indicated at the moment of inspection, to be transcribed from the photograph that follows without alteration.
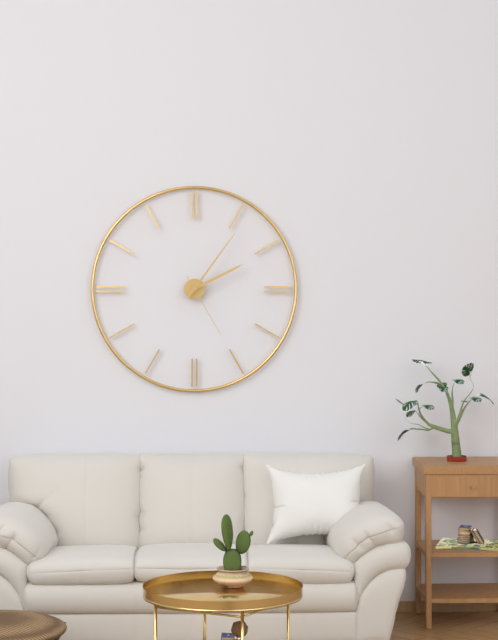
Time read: 2:06:25
